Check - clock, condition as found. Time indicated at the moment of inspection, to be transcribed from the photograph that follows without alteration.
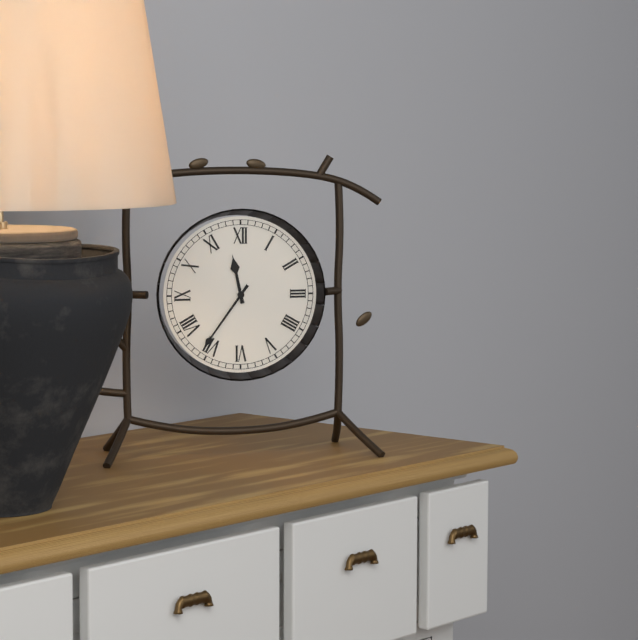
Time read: 11:36
